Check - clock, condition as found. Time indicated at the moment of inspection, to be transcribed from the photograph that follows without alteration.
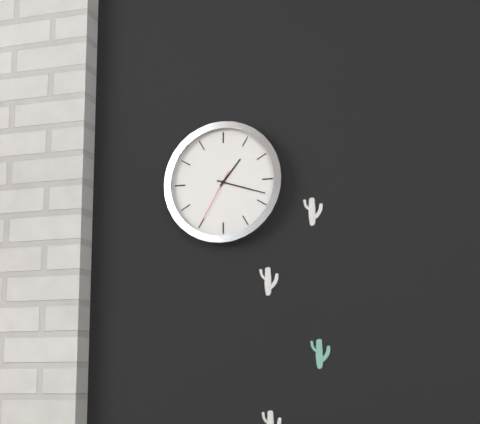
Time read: 1:18:35
